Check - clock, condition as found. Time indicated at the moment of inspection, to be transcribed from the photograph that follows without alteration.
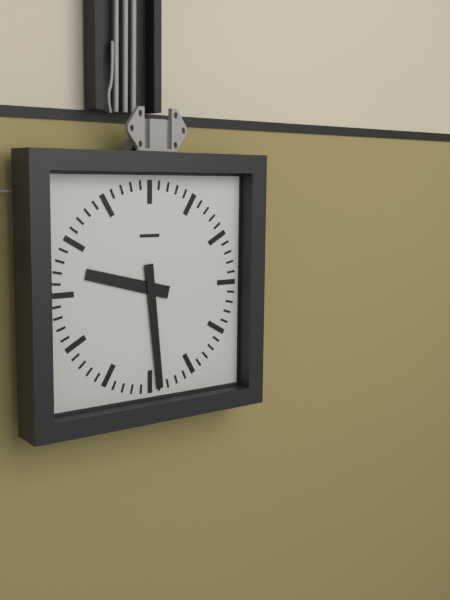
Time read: 9:29
